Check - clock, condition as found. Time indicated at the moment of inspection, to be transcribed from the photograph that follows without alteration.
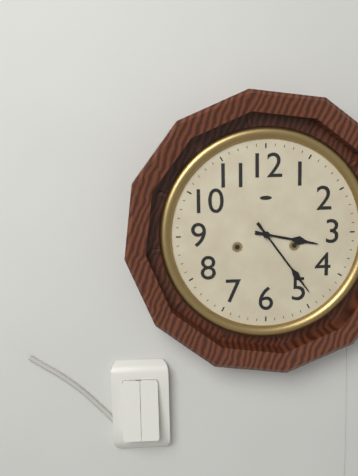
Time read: 3:24
